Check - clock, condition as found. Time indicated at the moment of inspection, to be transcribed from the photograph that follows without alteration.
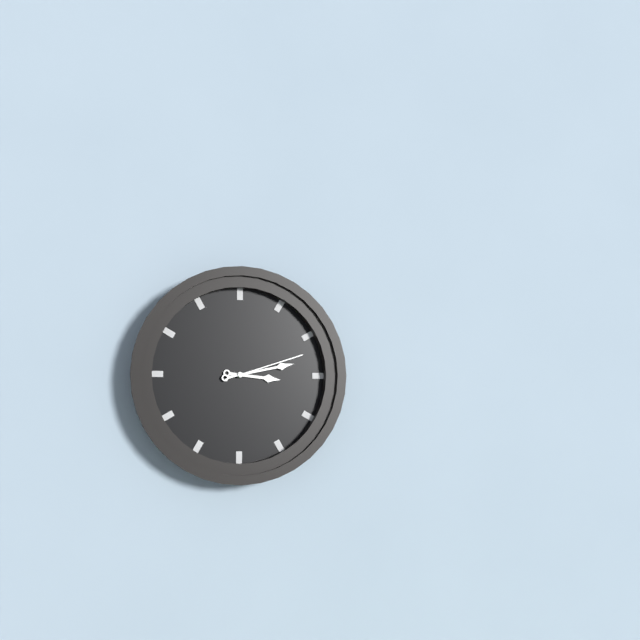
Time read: 3:13:12
